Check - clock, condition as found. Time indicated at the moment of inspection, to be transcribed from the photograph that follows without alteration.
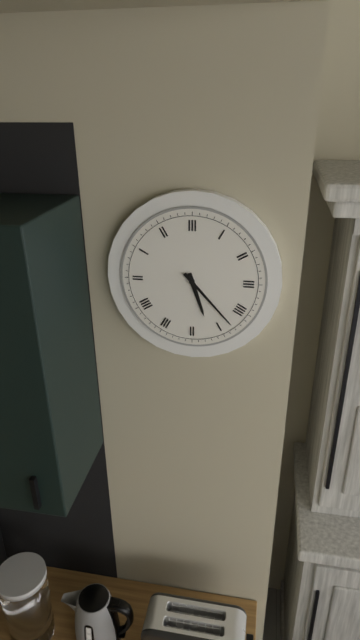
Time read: 5:23
